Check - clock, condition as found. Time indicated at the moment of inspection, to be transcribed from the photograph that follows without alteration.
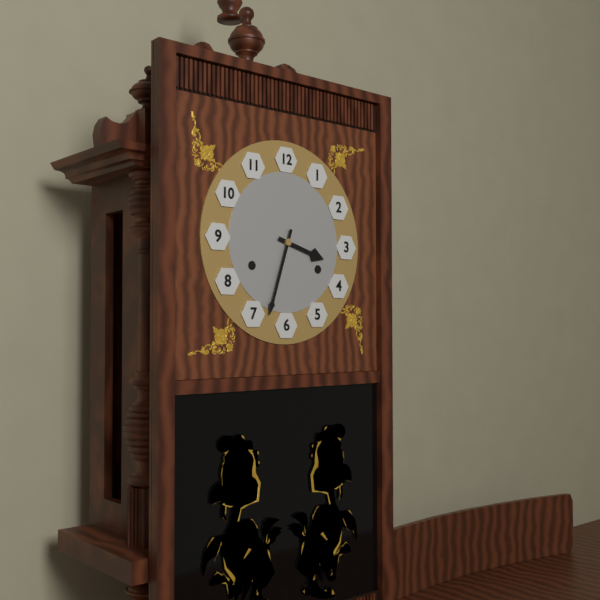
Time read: 3:33
